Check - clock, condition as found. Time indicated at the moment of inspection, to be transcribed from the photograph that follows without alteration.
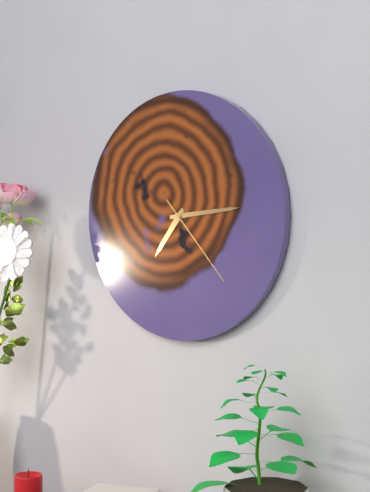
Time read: 7:14:23
